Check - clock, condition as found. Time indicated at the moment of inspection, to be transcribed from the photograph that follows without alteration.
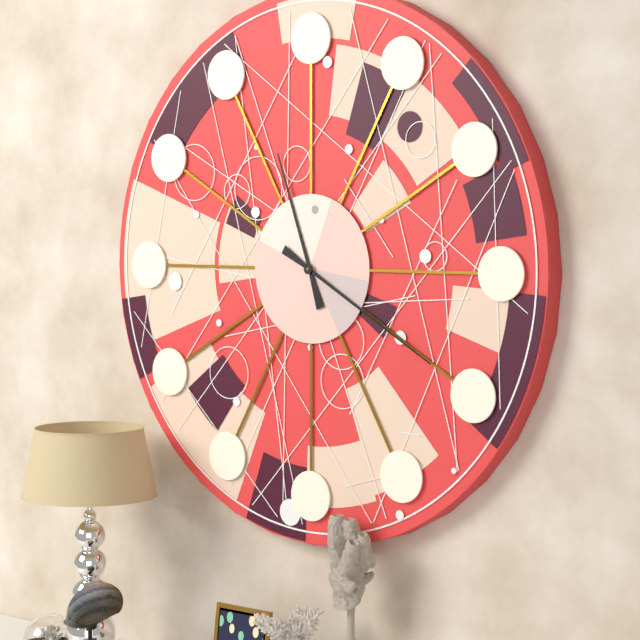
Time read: 11:20
